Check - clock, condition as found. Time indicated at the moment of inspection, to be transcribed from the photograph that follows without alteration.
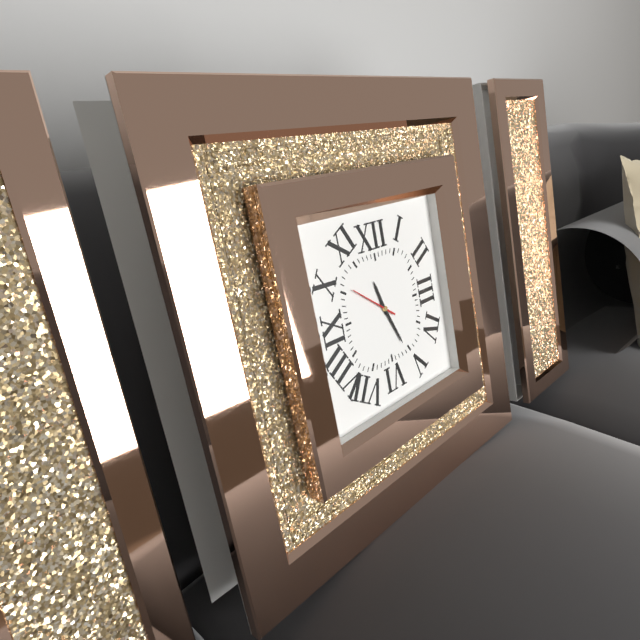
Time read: 11:26
